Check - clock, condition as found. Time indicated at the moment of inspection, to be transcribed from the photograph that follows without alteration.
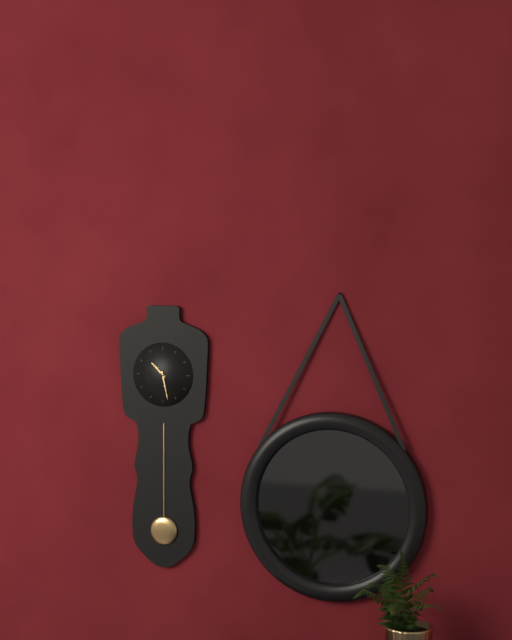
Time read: 10:28
